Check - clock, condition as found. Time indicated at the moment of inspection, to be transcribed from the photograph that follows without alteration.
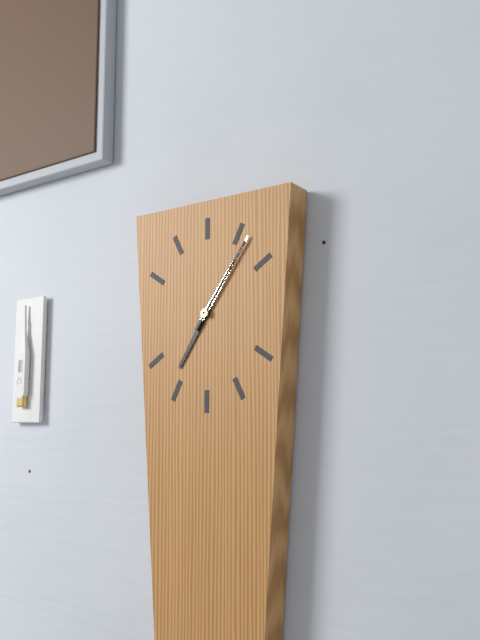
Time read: 7:06:06
